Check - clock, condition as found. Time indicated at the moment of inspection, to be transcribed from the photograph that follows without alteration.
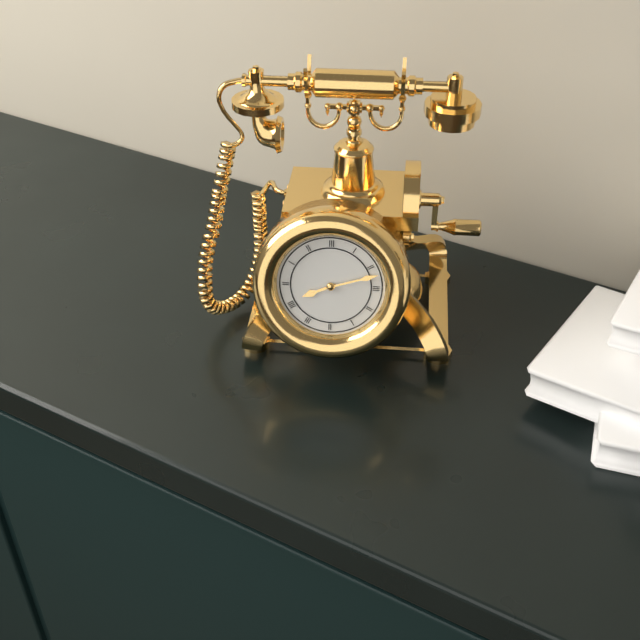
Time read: 8:12
